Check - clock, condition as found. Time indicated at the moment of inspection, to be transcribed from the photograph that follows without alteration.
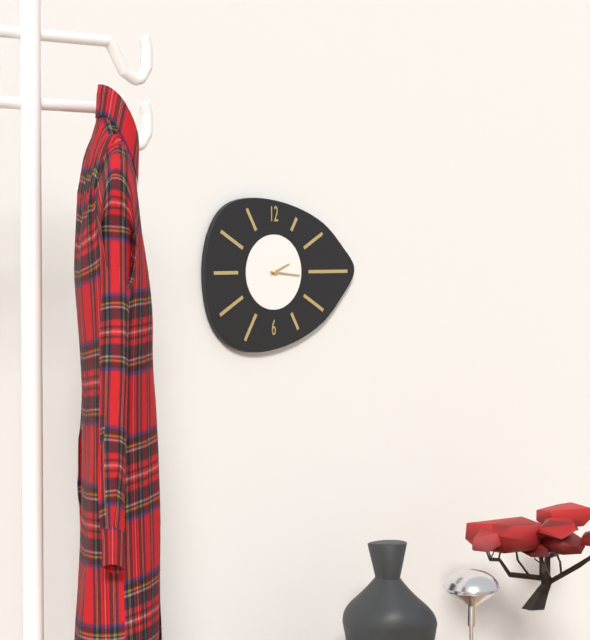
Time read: 2:16
